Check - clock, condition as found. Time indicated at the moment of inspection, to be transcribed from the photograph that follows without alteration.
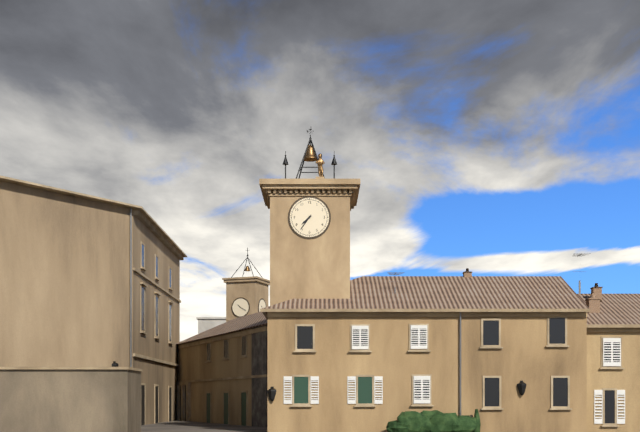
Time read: 7:36
